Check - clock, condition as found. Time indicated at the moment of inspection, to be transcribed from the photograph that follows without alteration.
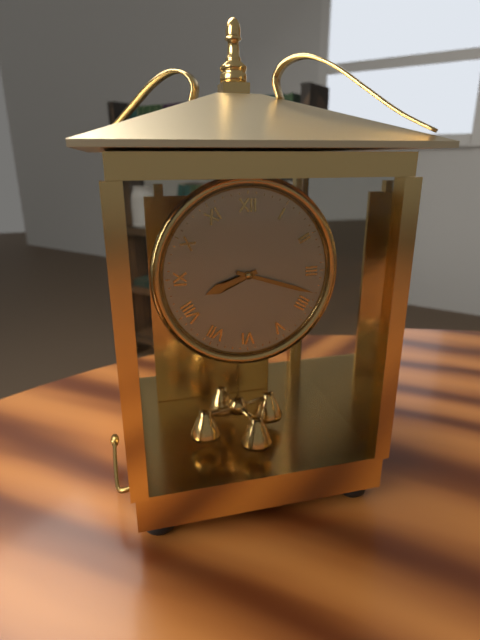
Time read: 8:18
